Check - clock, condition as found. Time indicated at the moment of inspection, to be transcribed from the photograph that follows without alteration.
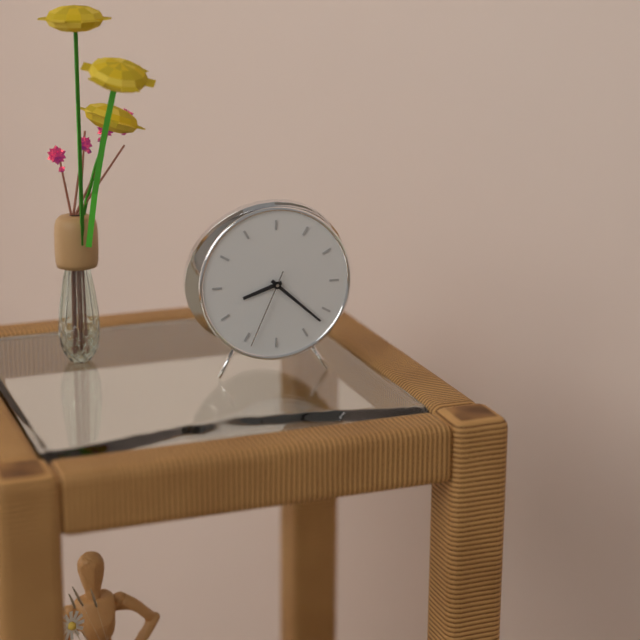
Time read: 8:22:34
